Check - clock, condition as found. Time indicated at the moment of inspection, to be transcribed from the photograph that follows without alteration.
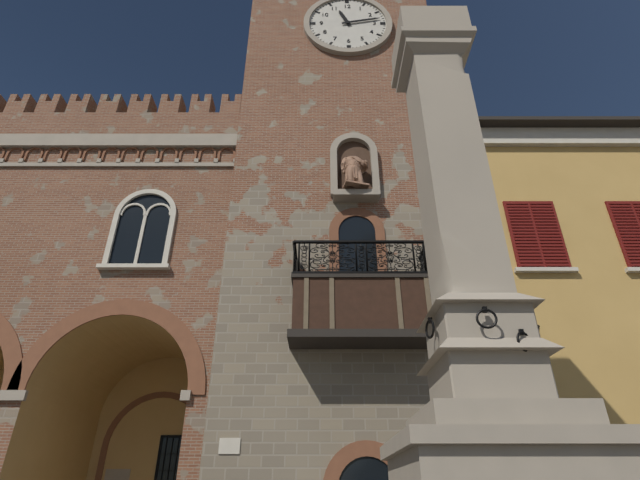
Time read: 11:13
